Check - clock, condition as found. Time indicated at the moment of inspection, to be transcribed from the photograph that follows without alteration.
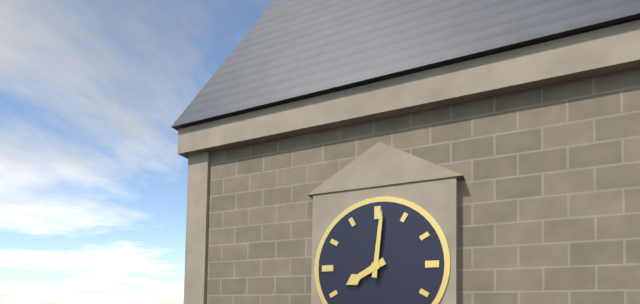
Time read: 8:01
